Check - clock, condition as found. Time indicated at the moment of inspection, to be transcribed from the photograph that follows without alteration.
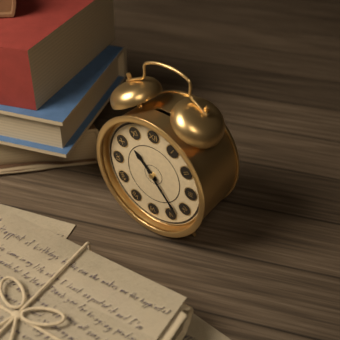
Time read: 10:23
